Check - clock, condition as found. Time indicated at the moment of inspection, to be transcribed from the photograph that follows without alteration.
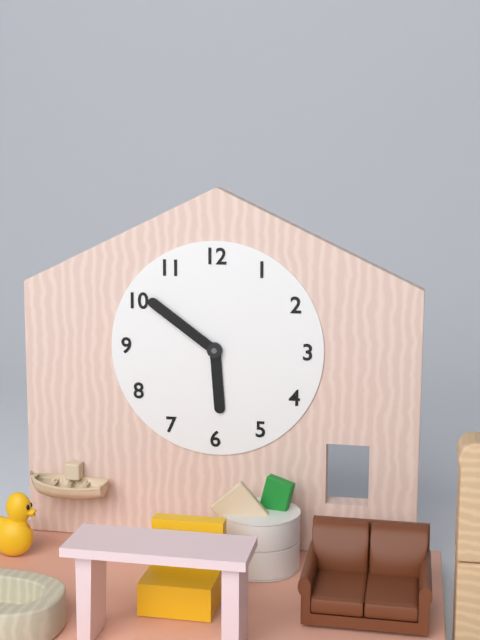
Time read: 5:51
